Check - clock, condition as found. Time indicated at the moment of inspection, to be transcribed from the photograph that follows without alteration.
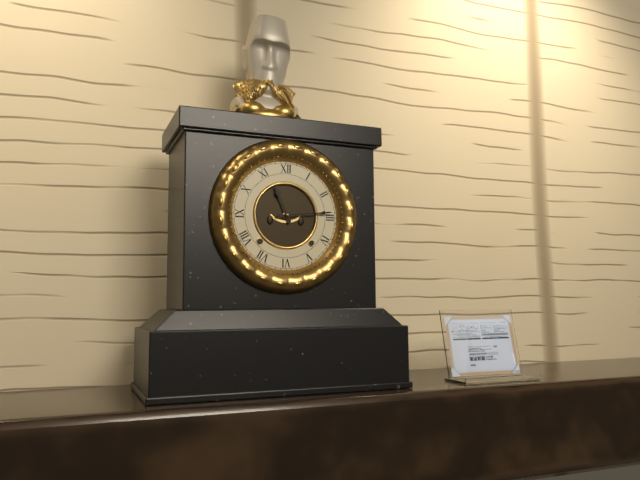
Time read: 11:14
